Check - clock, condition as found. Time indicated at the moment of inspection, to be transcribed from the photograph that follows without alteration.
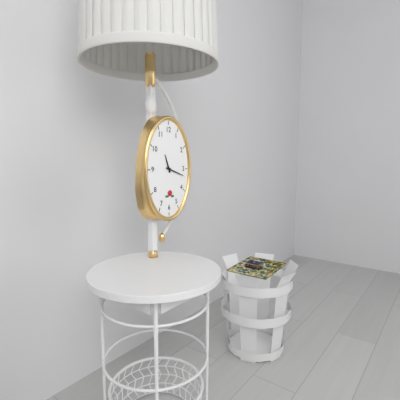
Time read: 11:18
